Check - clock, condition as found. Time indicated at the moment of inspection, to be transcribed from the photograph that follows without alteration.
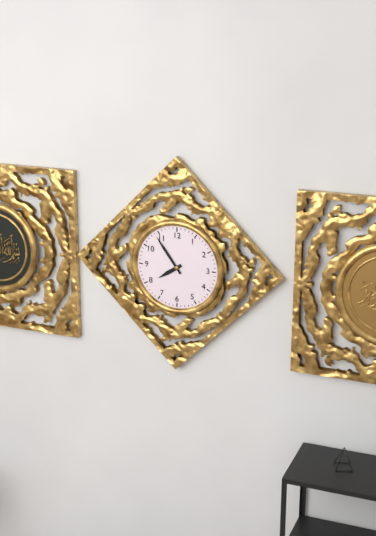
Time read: 7:54
